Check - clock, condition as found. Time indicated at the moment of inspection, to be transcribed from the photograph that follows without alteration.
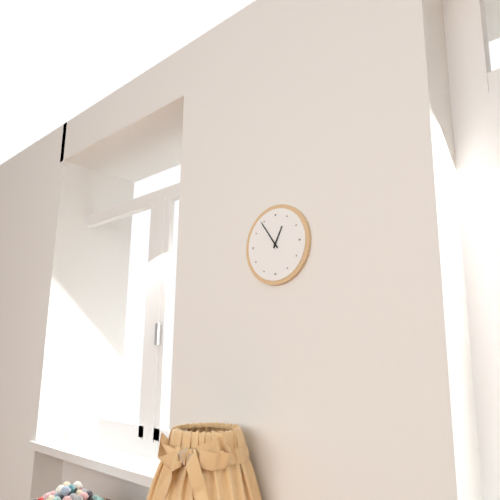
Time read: 12:54
